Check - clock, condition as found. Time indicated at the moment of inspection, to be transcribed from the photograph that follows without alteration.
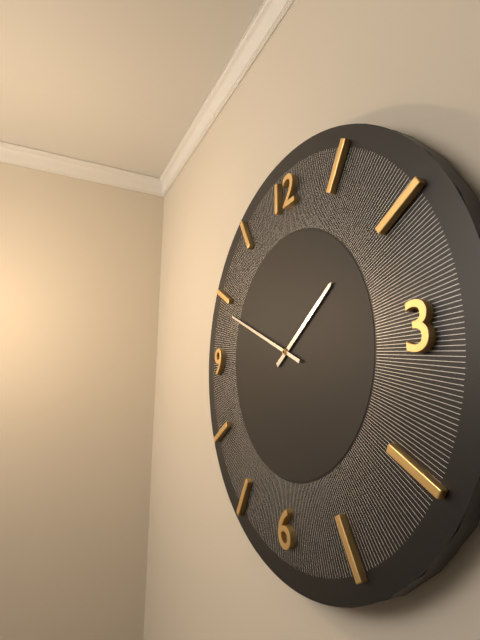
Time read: 1:49
